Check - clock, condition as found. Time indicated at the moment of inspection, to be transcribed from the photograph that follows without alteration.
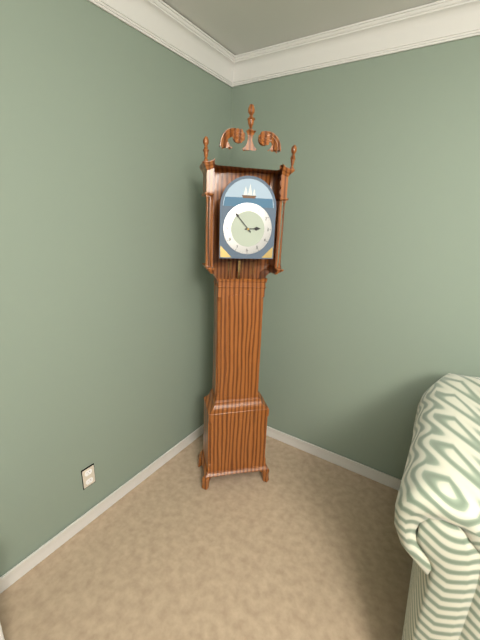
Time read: 2:53
